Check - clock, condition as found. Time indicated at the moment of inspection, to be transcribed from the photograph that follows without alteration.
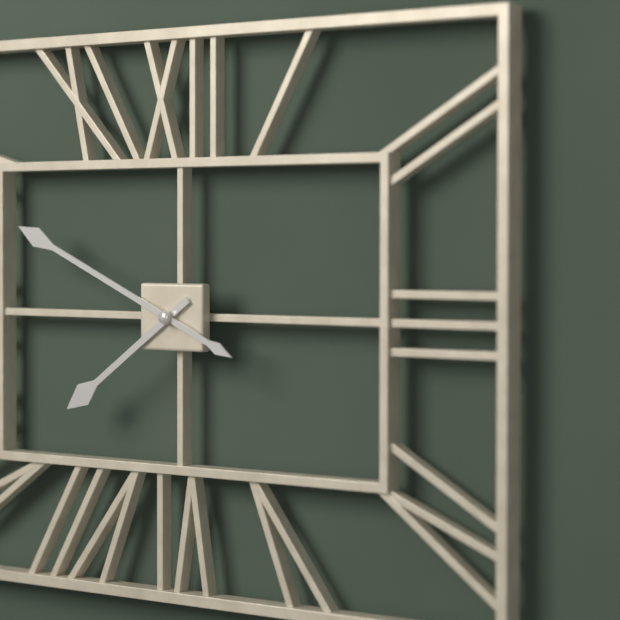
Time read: 7:49
